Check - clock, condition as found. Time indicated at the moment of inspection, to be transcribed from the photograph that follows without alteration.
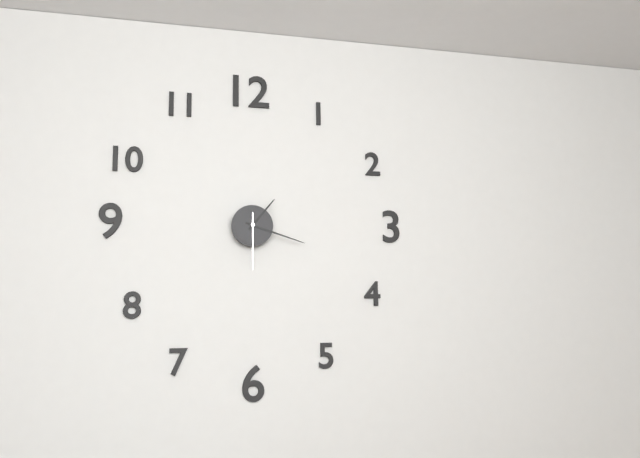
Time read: 1:18:30
